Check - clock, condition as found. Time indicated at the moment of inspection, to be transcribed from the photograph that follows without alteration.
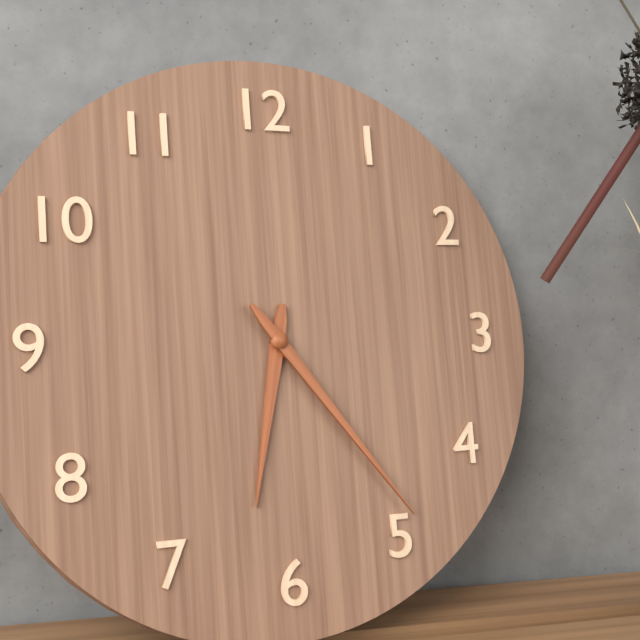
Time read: 6:24
